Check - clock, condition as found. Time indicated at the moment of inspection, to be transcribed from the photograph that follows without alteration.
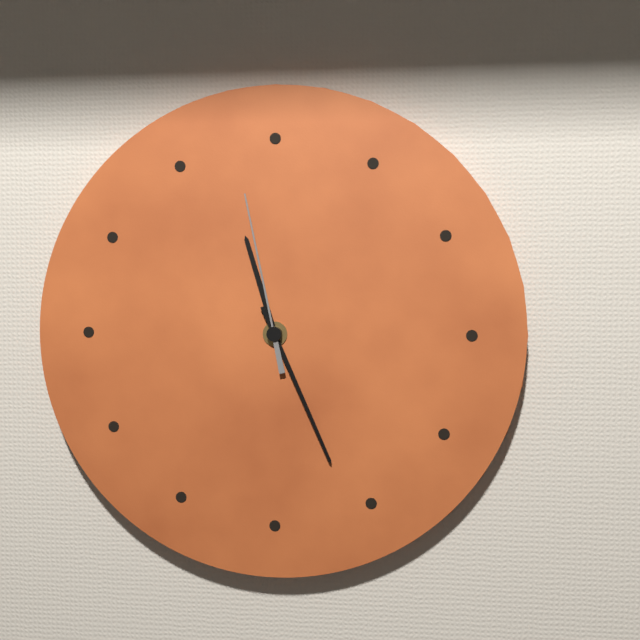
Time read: 11:26:58
